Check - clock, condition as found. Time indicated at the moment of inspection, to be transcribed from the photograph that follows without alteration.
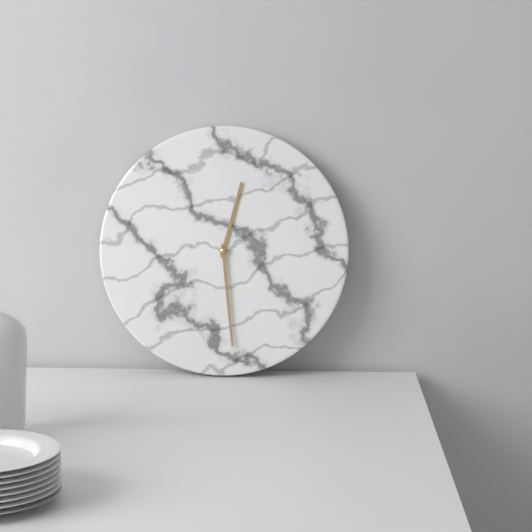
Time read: 12:29
